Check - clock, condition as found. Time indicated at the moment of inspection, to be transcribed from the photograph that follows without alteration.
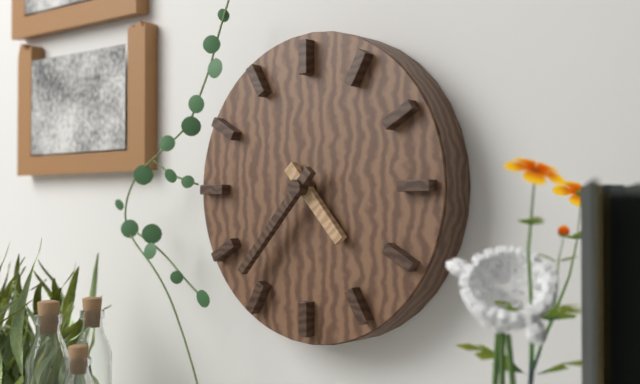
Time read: 4:37
